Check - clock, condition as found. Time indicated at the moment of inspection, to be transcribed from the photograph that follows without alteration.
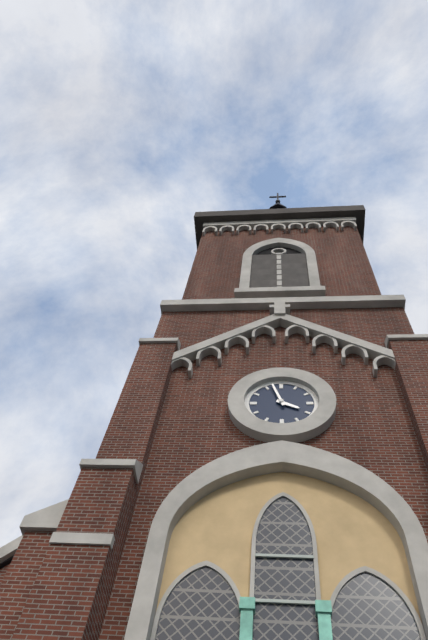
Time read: 3:57
